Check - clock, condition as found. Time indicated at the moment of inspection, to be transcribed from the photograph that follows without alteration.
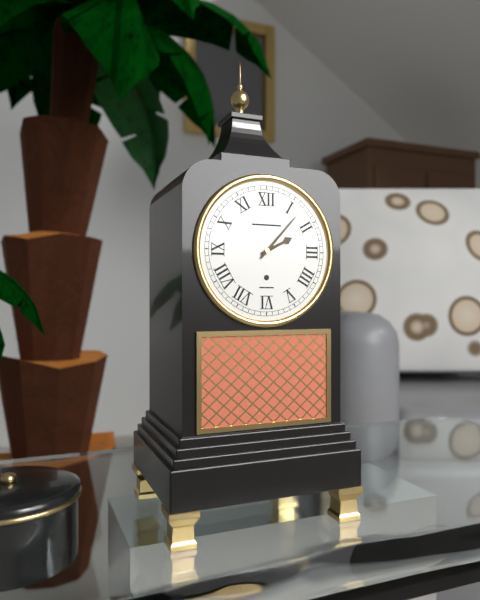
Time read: 2:07
